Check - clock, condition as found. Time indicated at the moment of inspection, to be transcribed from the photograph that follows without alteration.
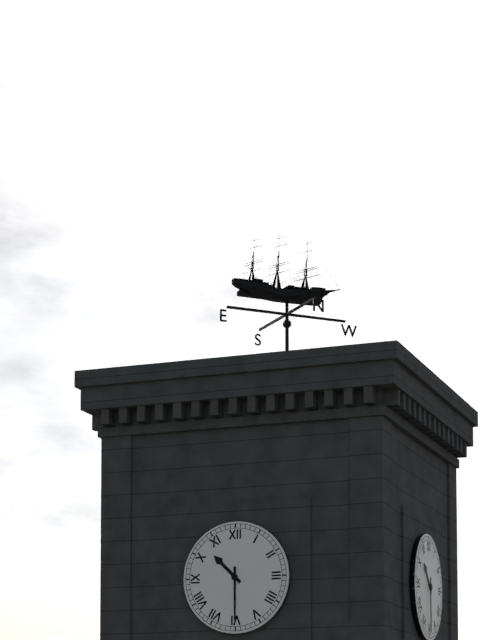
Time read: 10:30
